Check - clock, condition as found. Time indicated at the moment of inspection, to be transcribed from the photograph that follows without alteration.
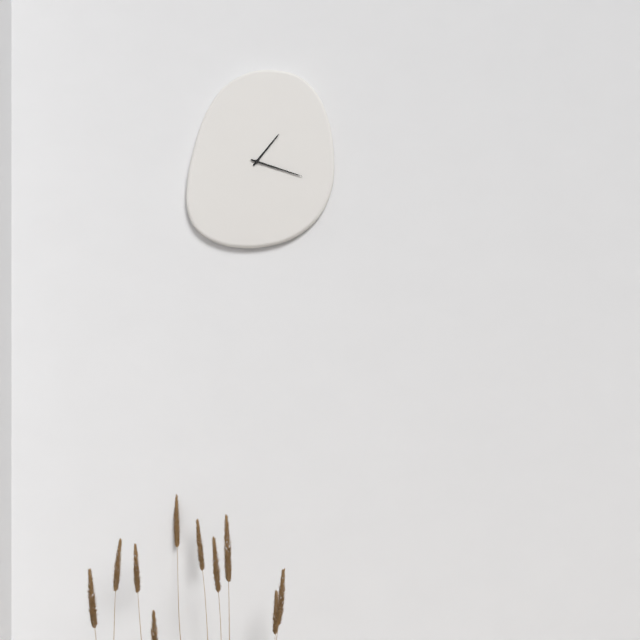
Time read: 1:18
